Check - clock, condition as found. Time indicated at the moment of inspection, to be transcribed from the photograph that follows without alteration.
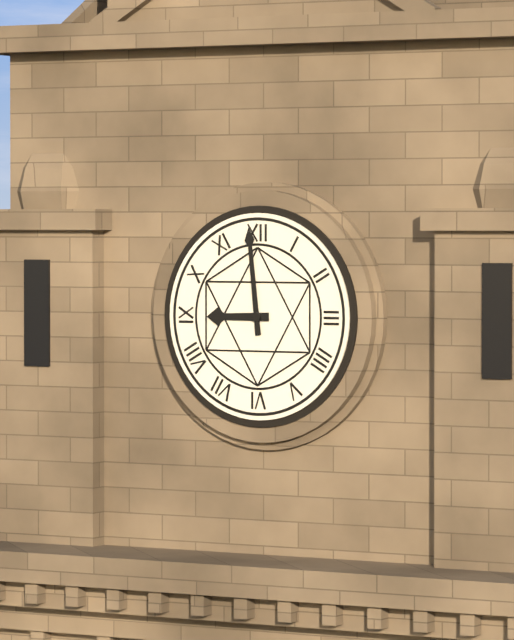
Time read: 8:59
